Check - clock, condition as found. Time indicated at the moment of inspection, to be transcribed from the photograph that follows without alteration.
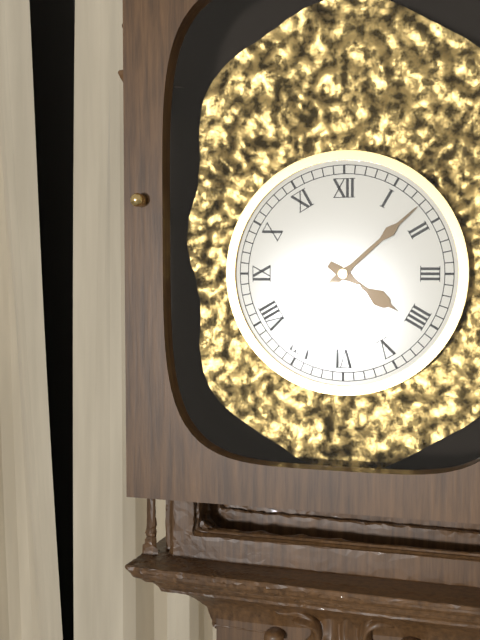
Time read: 4:08
